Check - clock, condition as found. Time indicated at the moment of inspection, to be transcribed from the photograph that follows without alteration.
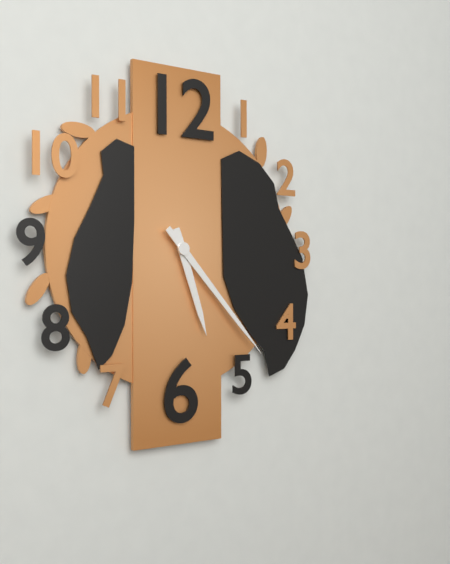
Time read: 5:23
